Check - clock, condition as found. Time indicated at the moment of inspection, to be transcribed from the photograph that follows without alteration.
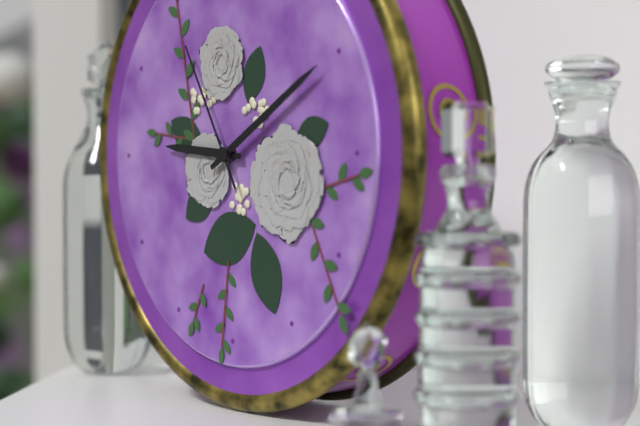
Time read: 9:10:55
